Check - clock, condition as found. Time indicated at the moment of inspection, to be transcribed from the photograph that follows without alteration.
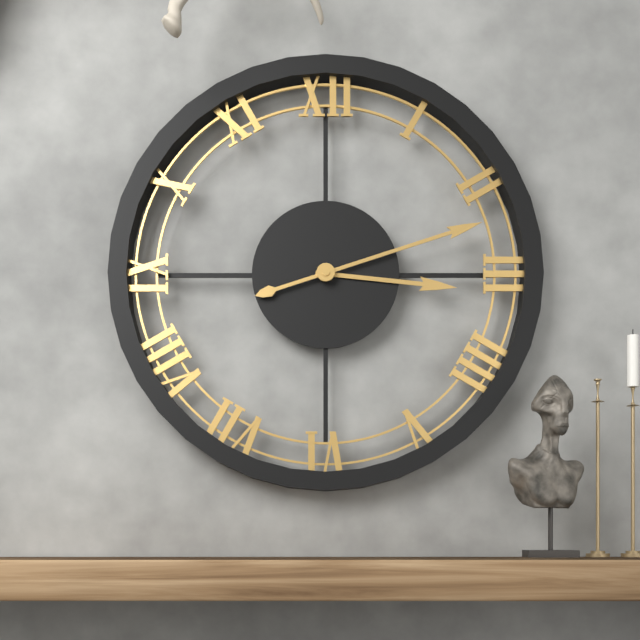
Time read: 3:12
